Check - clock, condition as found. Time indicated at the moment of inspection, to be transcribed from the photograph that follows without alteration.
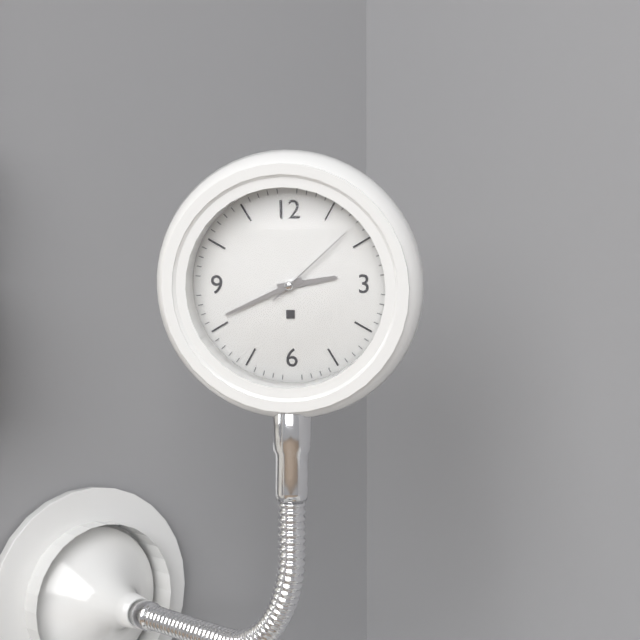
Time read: 2:41:08
